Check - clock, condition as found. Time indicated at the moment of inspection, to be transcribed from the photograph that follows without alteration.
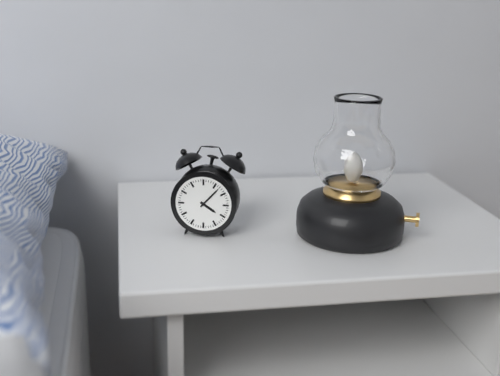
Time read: 4:07
